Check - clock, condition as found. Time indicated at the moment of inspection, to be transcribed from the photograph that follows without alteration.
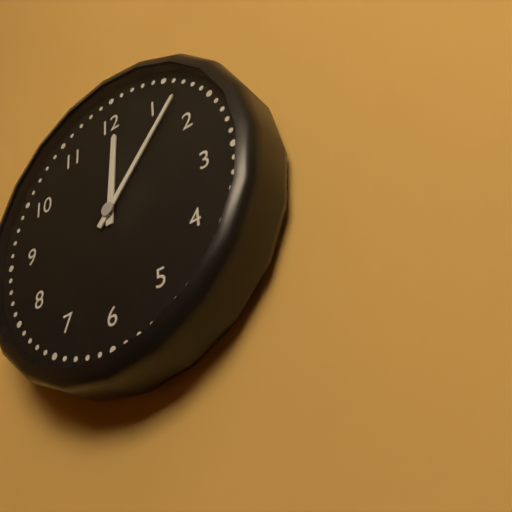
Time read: 12:07
